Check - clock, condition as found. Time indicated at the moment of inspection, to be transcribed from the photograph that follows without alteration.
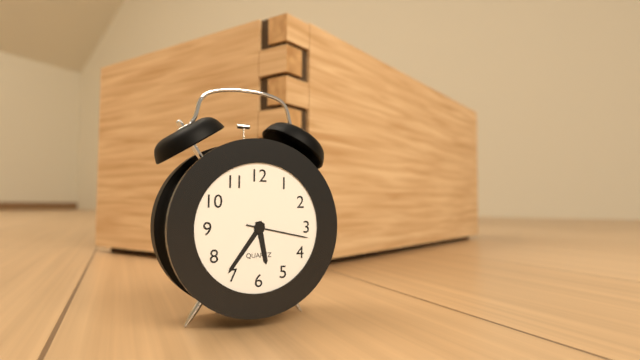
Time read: 5:36:17
